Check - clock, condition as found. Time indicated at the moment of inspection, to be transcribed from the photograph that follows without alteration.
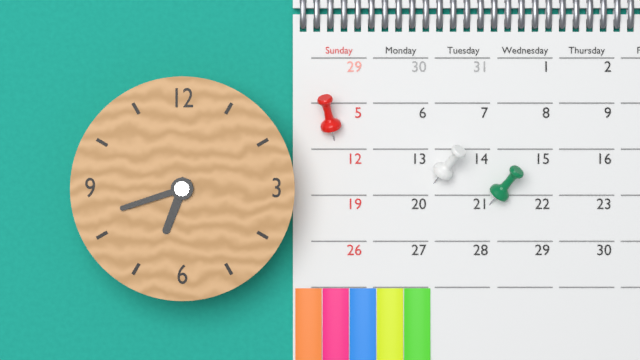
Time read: 6:42
